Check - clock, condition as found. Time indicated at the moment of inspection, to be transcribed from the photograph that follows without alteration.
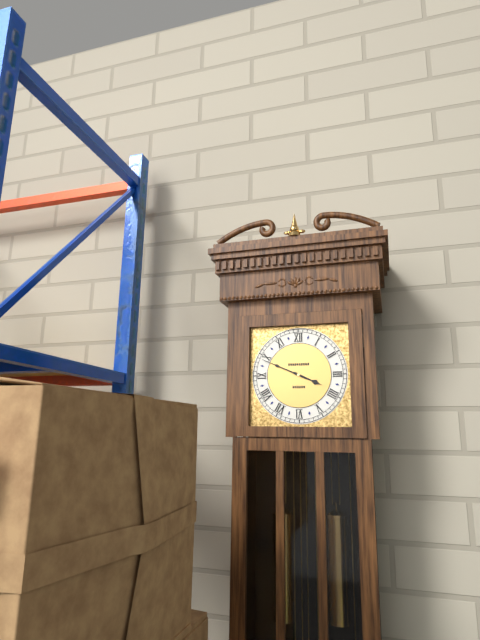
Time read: 3:49
